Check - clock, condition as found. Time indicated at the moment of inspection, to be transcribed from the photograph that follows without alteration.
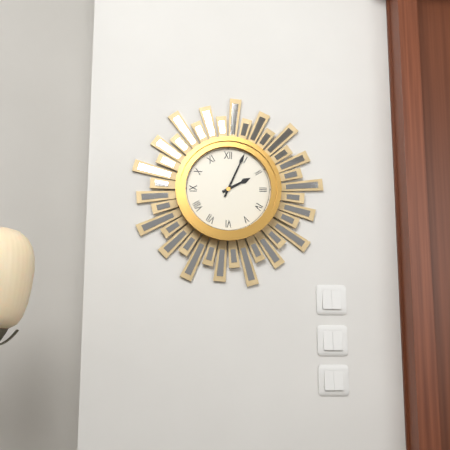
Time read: 2:04
